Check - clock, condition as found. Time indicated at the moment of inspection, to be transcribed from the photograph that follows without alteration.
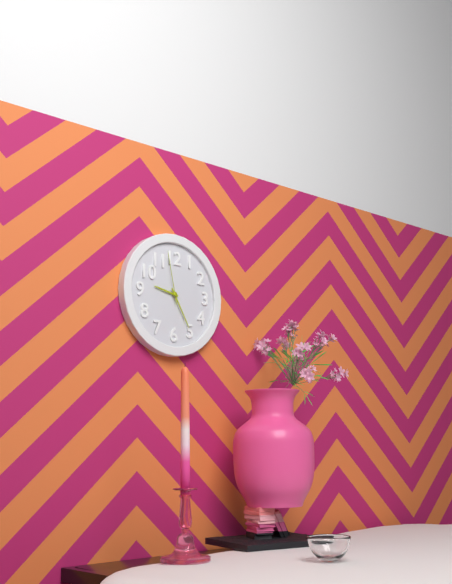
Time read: 9:25:58
